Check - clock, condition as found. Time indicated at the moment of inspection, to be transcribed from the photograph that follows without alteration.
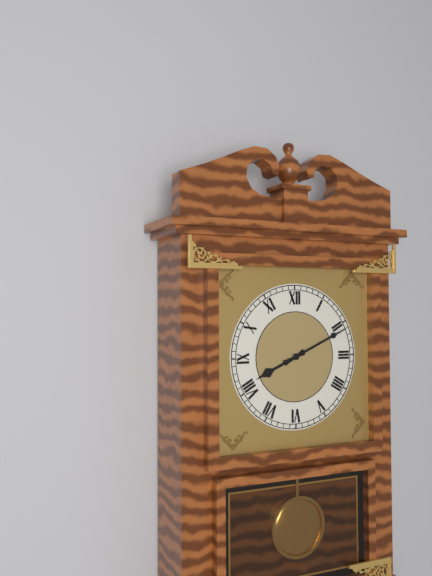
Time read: 8:11
